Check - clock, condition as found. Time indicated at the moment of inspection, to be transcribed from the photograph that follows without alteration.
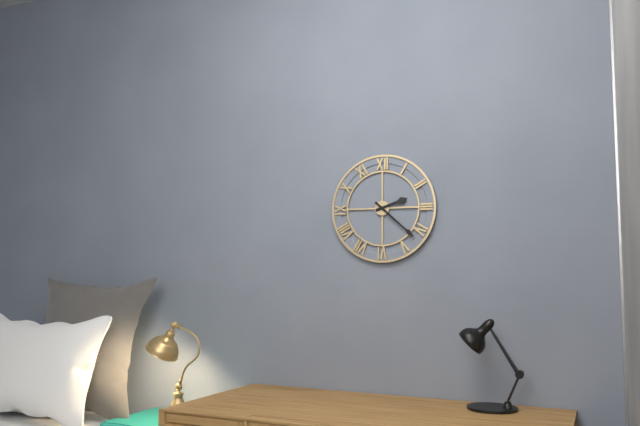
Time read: 2:22
